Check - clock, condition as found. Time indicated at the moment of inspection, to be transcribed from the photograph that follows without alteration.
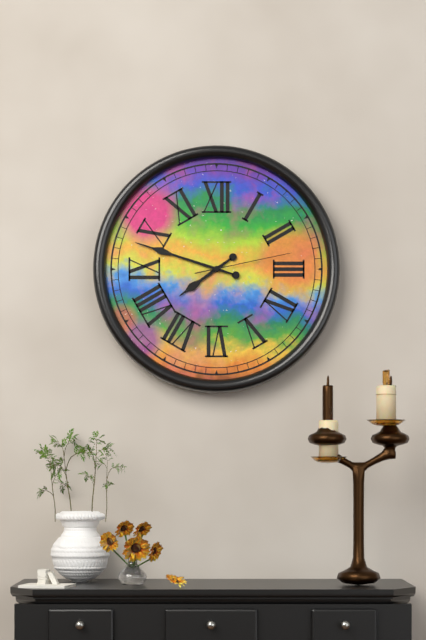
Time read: 7:48:13
